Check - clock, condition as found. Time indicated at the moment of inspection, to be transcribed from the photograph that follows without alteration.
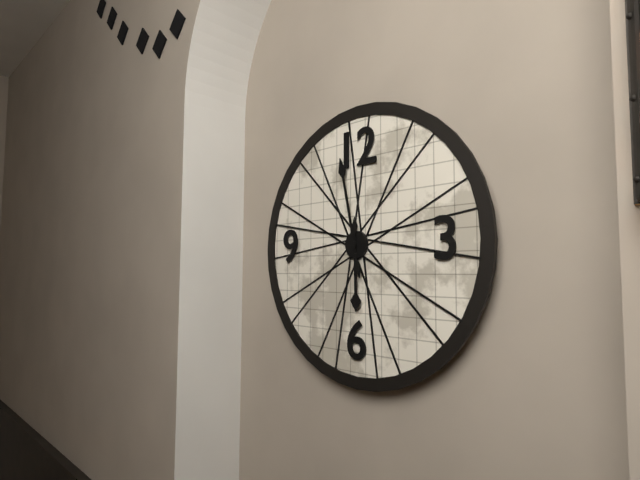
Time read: 5:58
